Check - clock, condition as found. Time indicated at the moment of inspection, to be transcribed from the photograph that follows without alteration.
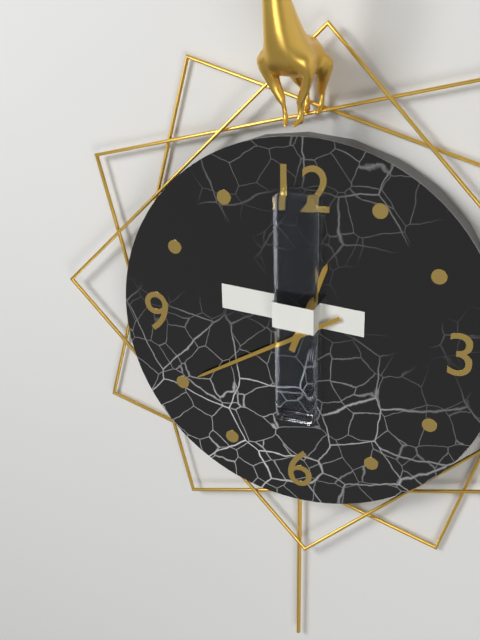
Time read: 12:40
